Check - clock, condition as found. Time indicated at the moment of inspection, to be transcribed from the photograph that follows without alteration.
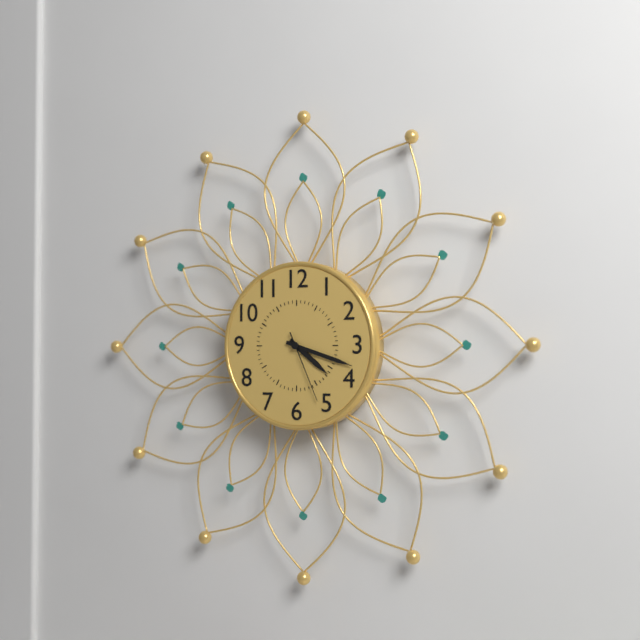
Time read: 4:18:26
